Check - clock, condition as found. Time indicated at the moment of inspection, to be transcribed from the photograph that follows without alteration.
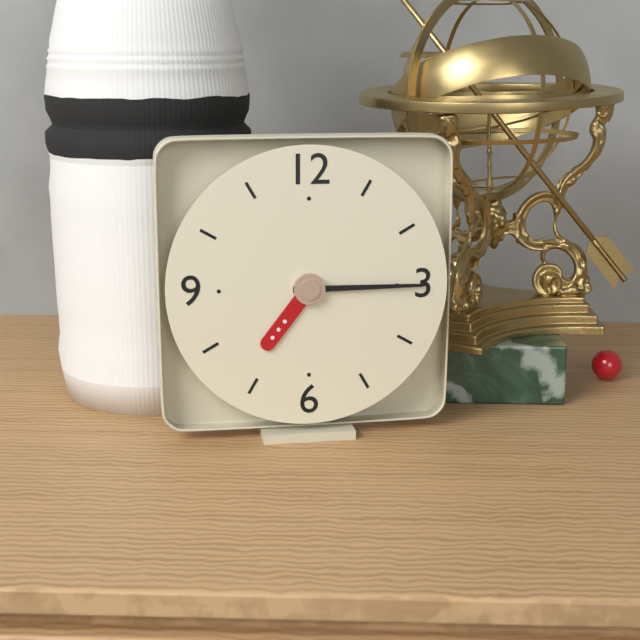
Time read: 7:15
